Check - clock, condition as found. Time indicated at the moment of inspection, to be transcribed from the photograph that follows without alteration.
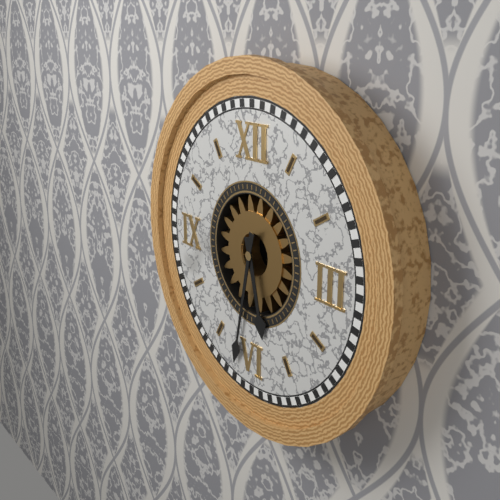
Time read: 5:32
